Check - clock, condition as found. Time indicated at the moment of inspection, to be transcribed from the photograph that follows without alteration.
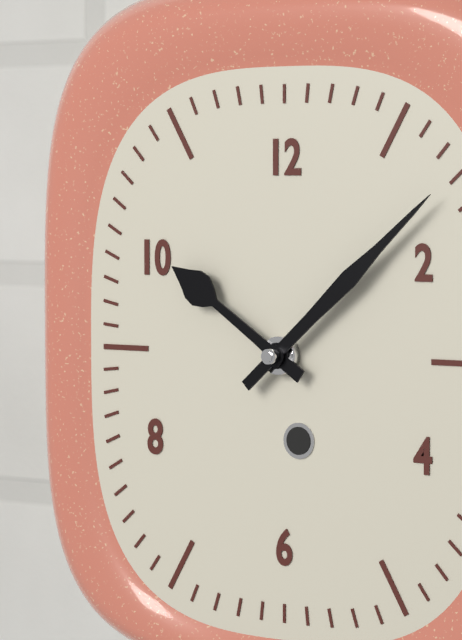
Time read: 10:08
